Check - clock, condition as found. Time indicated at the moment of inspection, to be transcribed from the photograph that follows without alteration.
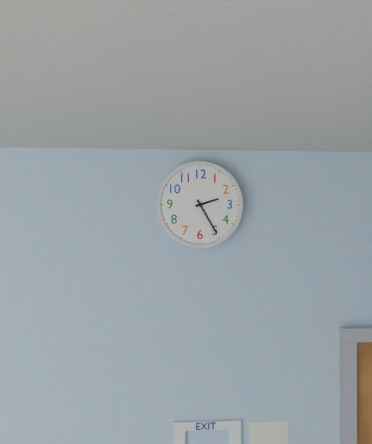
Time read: 2:25
